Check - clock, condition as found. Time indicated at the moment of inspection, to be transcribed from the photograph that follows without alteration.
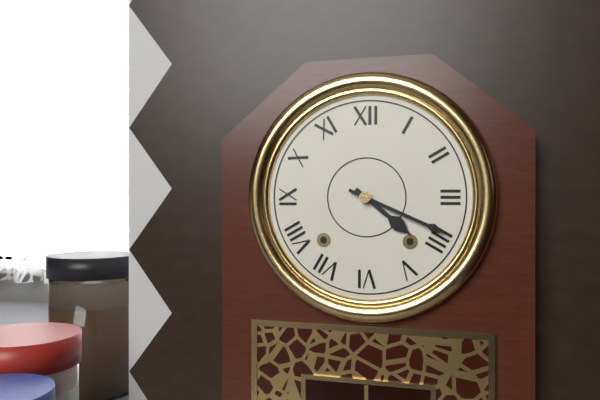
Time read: 4:19
